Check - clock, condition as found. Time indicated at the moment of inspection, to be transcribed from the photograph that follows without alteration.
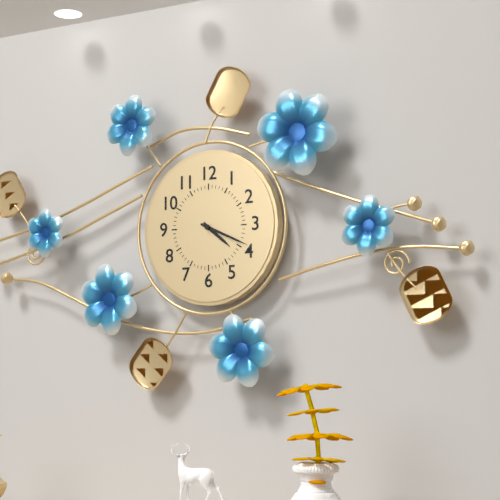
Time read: 4:19
